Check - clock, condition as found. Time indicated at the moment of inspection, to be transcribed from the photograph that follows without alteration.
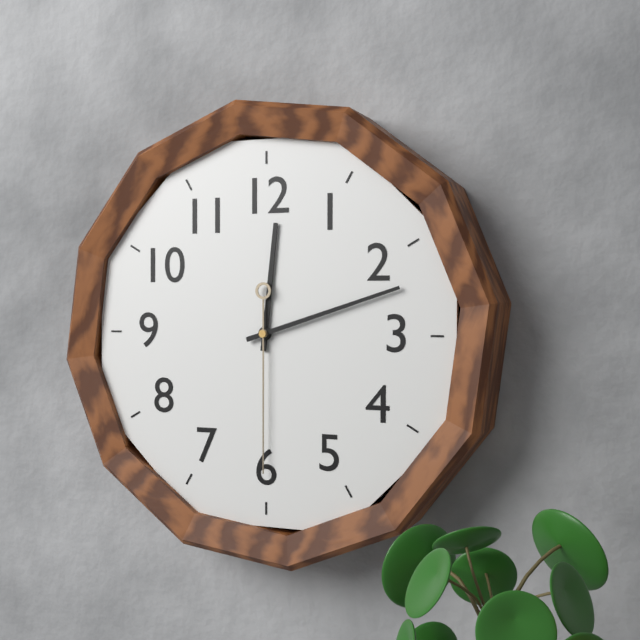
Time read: 12:12:30
